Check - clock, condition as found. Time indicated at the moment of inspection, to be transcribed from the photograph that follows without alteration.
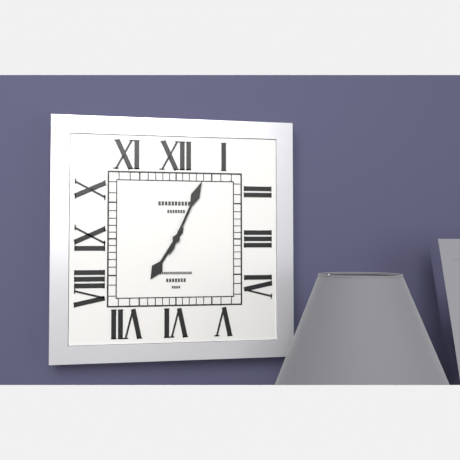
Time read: 7:04
